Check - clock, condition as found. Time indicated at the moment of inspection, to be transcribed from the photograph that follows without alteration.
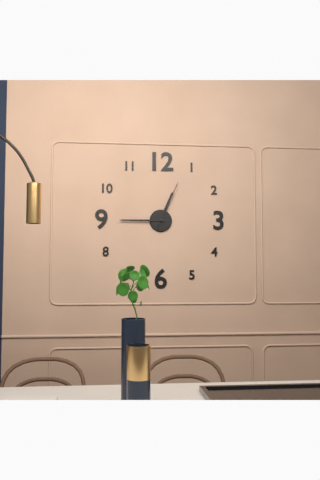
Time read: 12:45:04
